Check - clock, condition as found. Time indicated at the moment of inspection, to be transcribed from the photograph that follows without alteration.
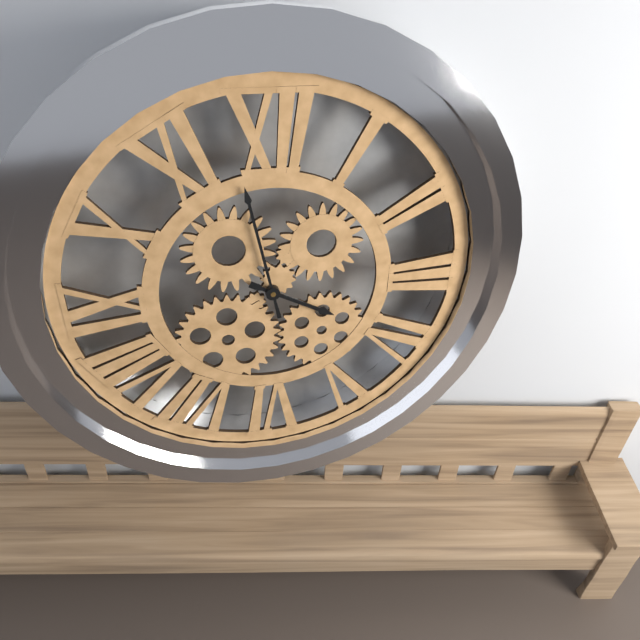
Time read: 3:58
